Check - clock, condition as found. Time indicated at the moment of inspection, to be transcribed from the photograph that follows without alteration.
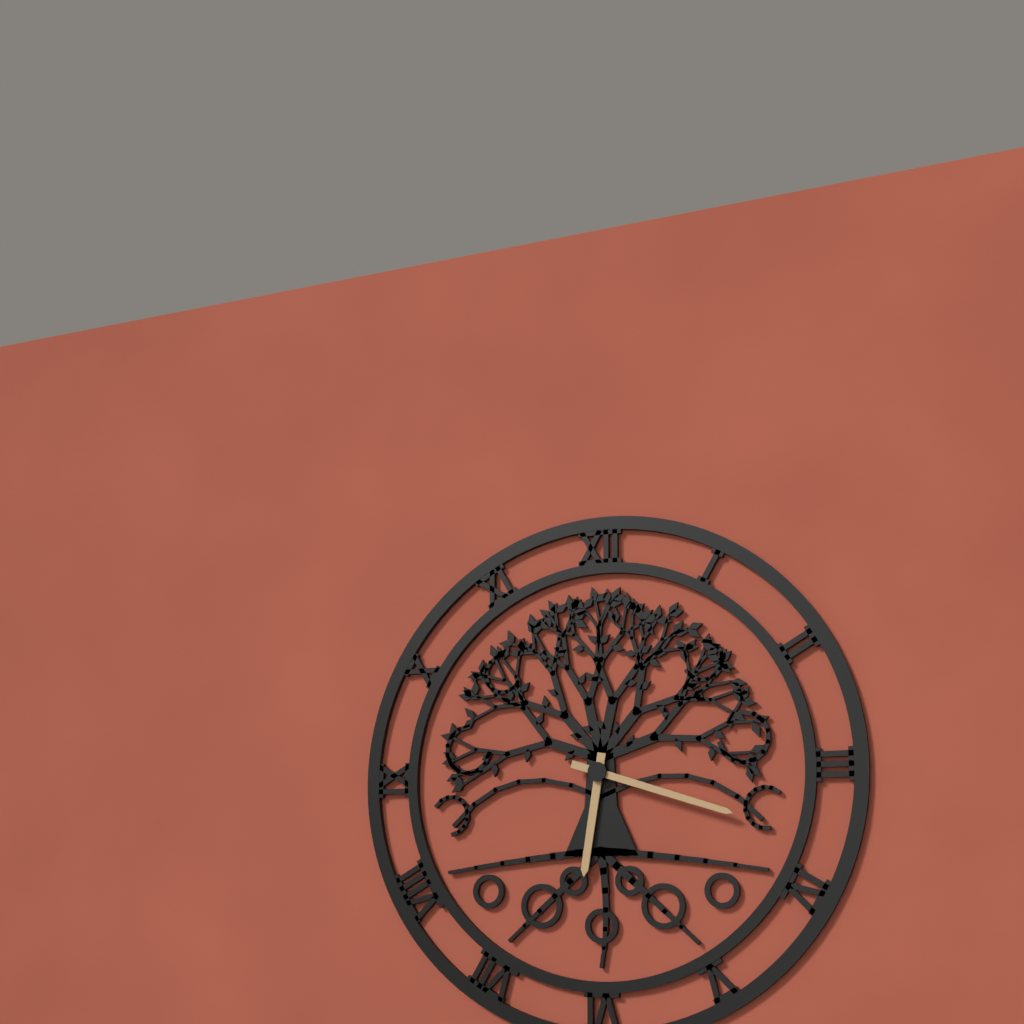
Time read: 6:18
